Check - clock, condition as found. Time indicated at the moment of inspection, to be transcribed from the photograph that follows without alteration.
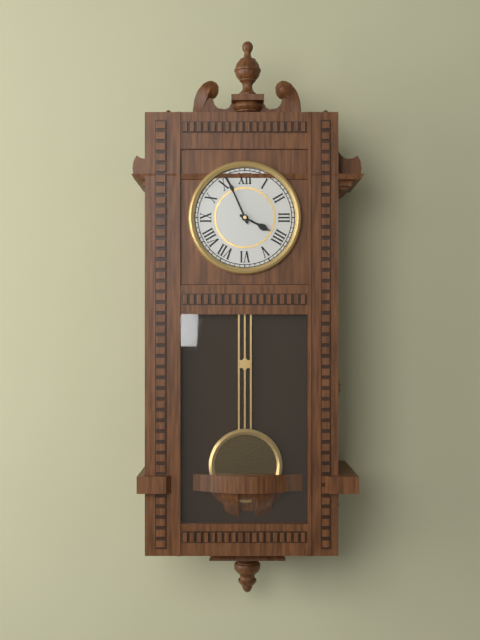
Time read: 3:56
